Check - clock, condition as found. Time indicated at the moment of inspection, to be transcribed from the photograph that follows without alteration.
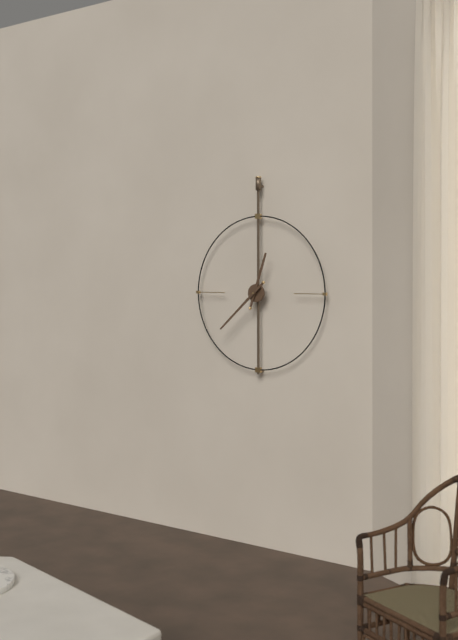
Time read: 12:38
